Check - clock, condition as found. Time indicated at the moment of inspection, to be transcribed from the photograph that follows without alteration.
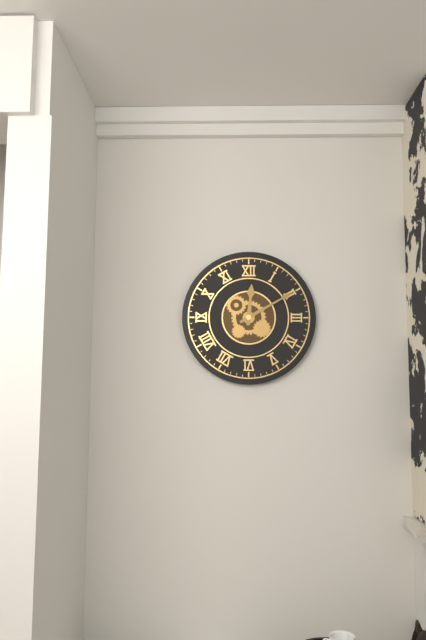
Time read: 12:10
